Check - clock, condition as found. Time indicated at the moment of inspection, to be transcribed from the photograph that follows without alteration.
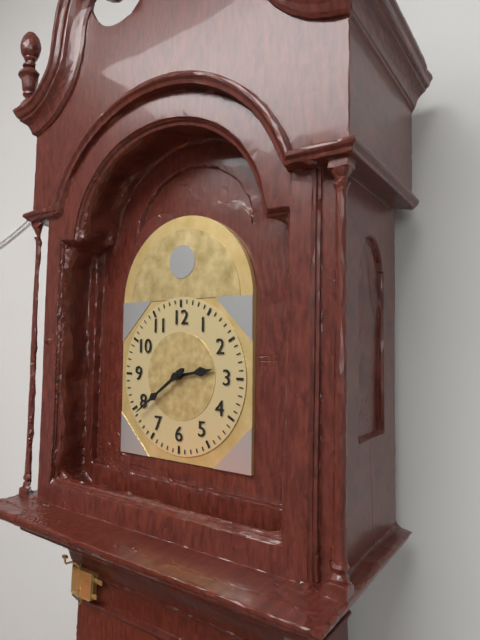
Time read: 2:39
